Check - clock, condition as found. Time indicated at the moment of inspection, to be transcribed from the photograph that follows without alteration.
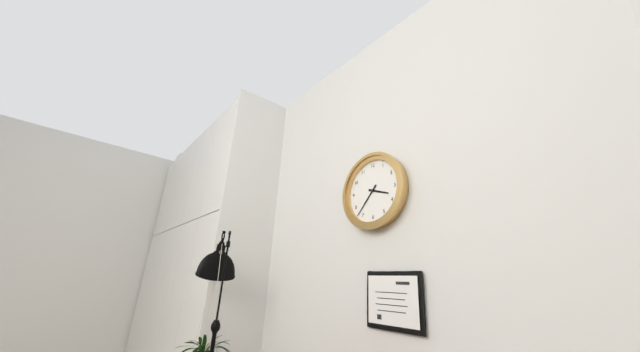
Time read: 3:37
